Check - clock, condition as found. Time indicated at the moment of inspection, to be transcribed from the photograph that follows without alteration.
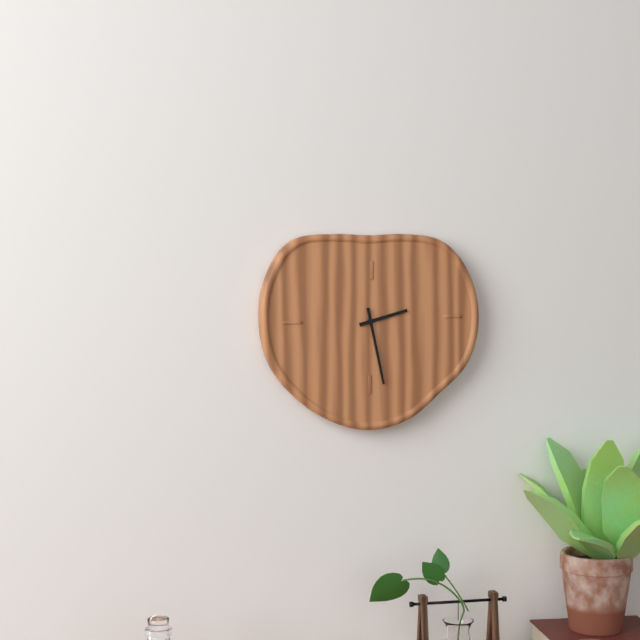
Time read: 2:28
